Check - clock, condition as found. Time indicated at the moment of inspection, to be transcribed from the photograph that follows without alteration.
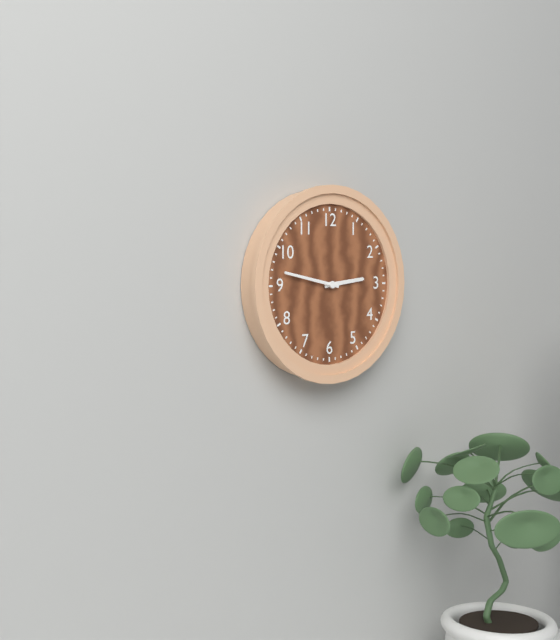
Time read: 2:47
